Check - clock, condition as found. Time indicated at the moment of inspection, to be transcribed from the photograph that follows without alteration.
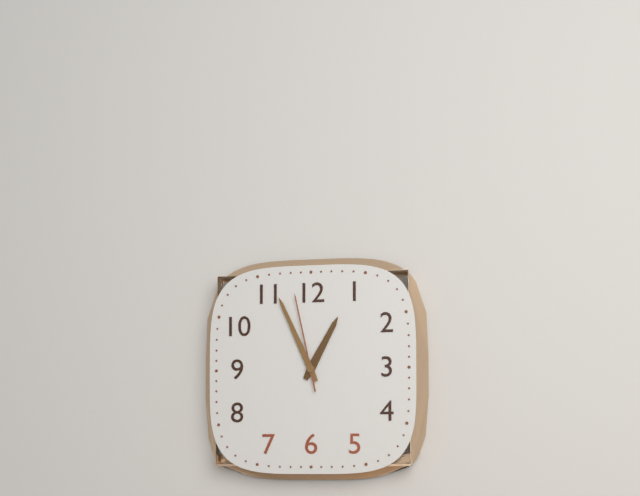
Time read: 12:56:58
